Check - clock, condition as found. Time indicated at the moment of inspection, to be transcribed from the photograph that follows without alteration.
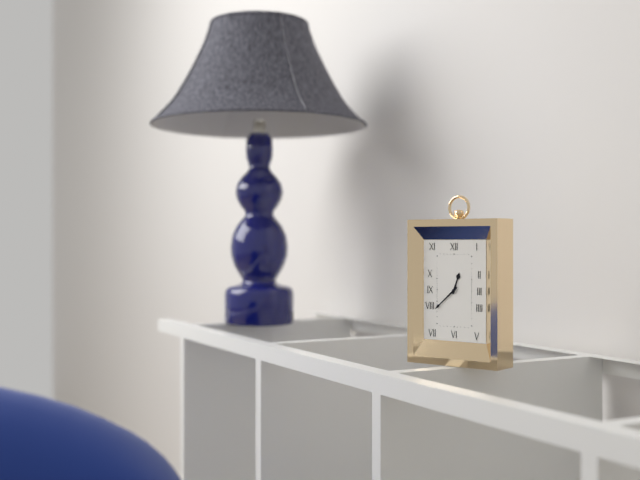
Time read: 12:38
